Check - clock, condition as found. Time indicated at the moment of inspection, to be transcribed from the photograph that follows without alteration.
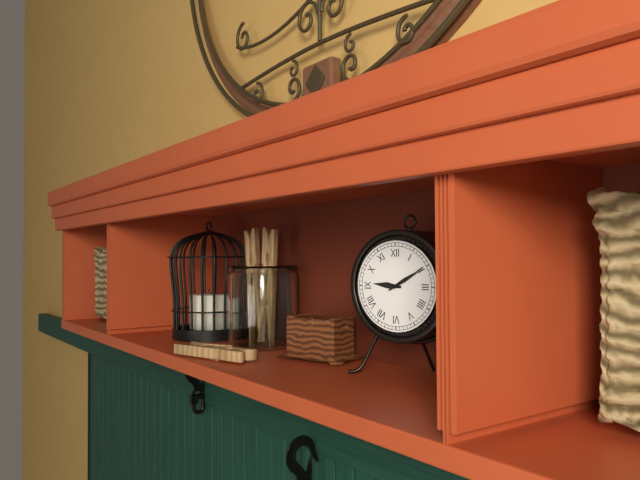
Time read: 9:10
